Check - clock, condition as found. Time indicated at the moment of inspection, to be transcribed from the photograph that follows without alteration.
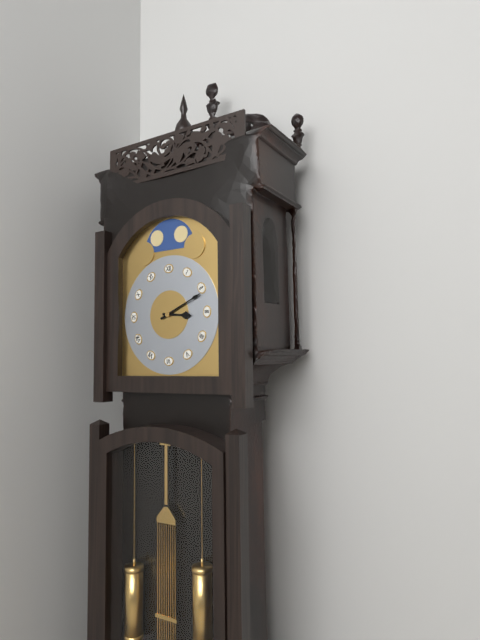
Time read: 3:11
